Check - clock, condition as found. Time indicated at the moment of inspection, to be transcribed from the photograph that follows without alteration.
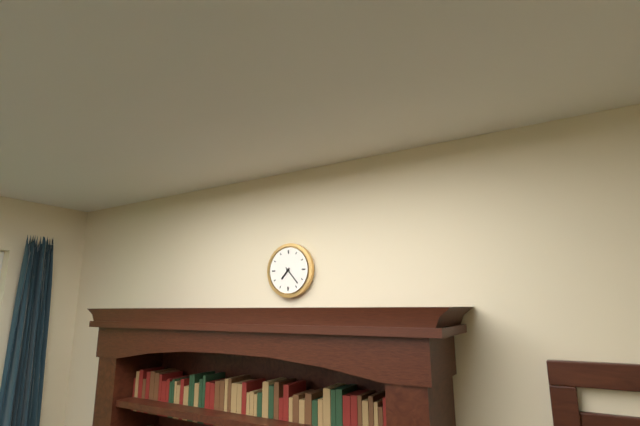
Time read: 7:23
